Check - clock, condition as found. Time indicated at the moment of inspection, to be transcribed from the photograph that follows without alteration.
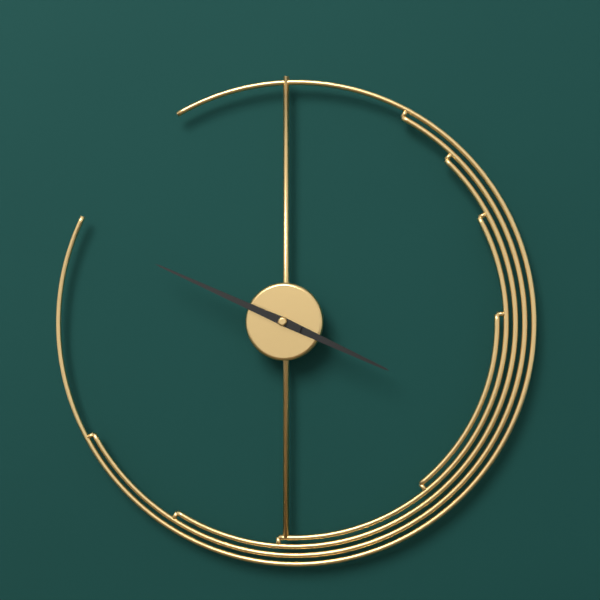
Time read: 3:49
